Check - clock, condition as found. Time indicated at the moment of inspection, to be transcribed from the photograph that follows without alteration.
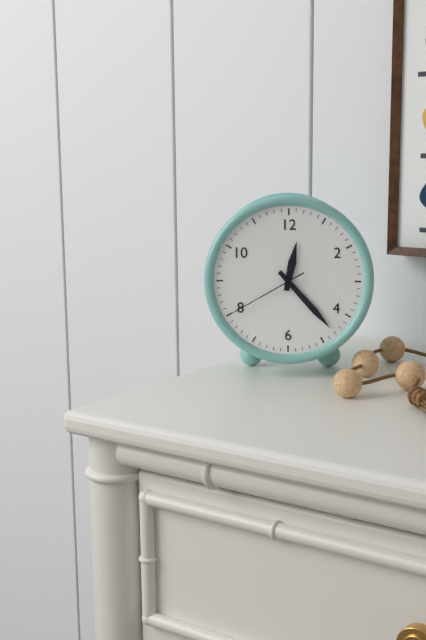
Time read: 12:23:40
